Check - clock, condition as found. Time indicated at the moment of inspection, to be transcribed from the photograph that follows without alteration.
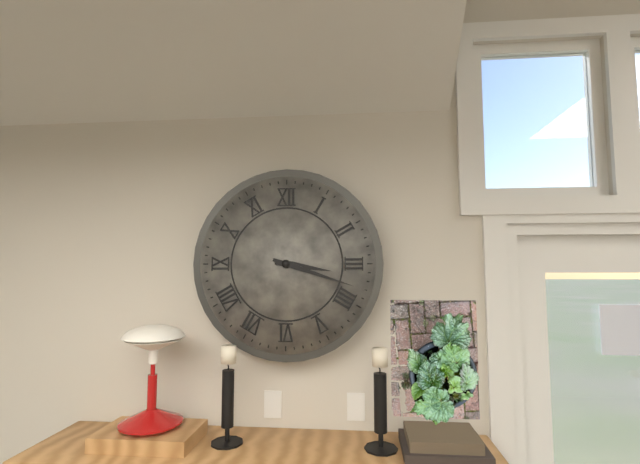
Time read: 3:18
